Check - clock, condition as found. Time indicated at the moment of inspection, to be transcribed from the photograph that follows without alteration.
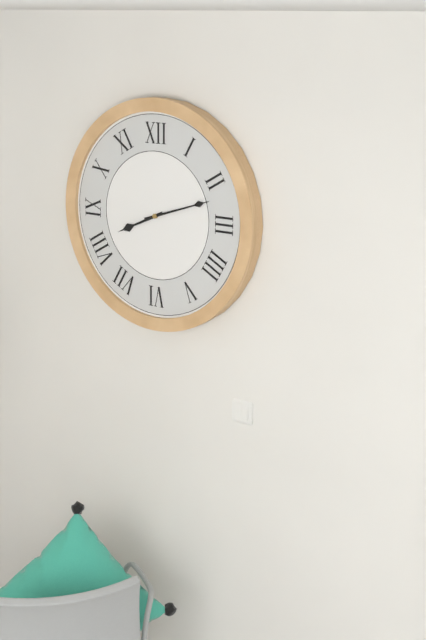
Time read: 8:12
